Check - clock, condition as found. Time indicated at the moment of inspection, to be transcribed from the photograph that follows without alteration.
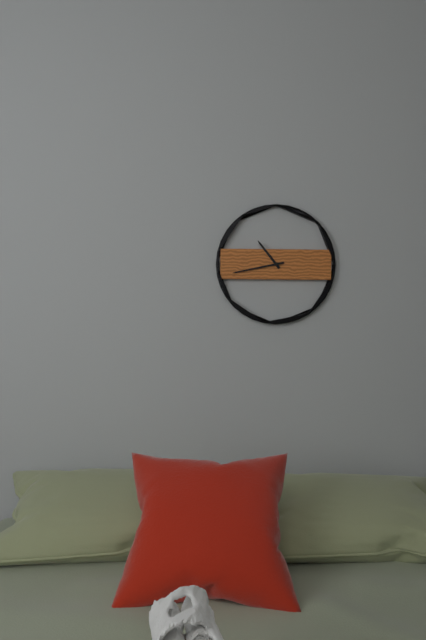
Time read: 10:43
